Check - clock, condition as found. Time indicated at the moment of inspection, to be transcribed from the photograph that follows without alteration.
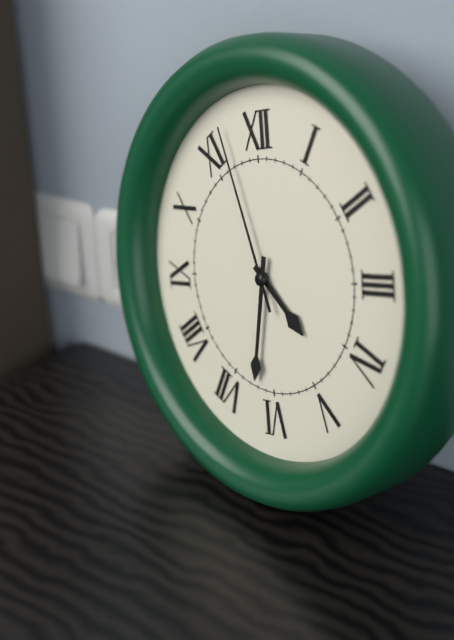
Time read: 4:32:57
